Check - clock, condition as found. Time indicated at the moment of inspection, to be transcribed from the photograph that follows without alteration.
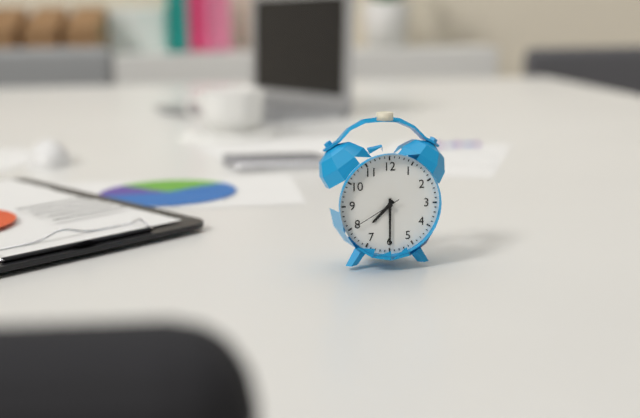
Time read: 7:30:40
